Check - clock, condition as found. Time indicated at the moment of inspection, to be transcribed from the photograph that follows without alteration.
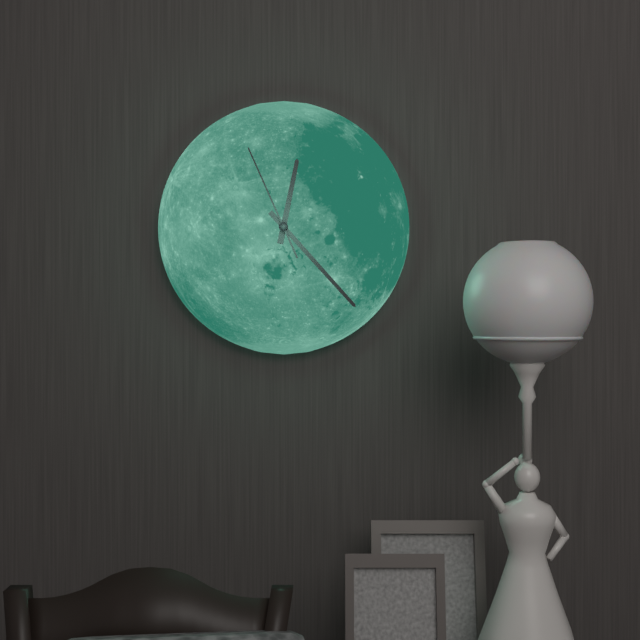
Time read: 12:23:56
